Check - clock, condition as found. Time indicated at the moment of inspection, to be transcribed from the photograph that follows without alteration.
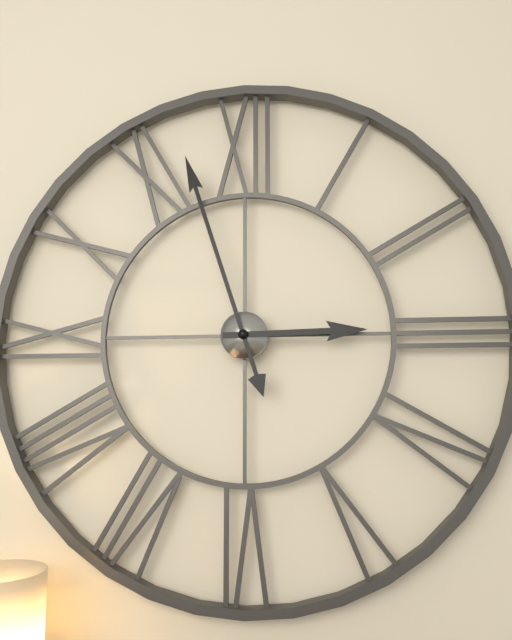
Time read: 2:57
